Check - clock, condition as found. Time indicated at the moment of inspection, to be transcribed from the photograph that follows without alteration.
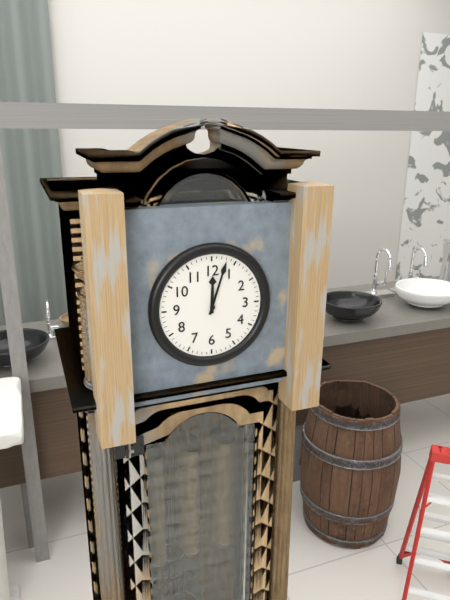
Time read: 12:03
